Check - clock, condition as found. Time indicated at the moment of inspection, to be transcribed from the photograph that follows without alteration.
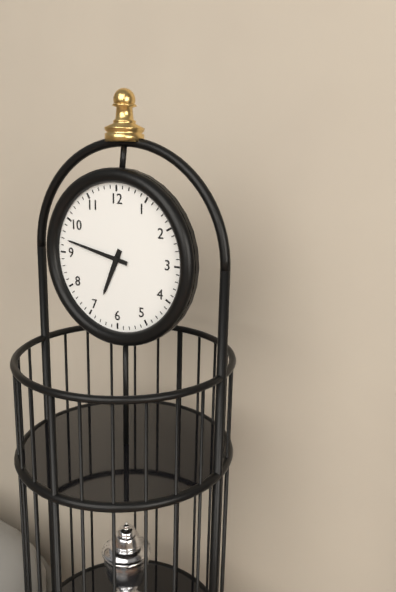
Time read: 6:47
